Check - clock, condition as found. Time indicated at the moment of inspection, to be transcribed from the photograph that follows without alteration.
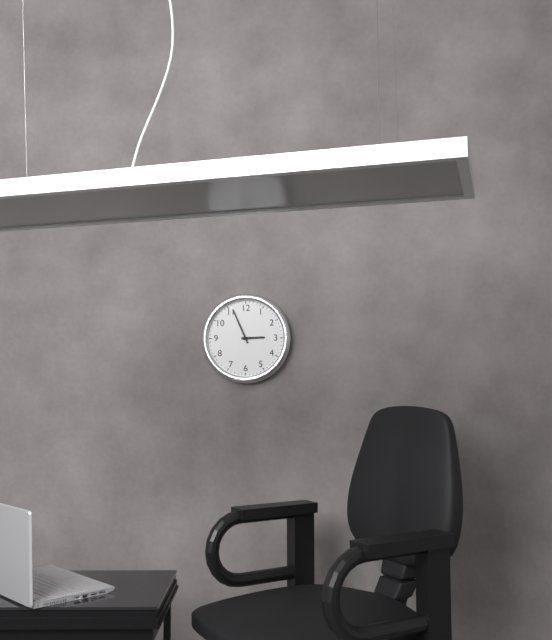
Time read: 2:56
